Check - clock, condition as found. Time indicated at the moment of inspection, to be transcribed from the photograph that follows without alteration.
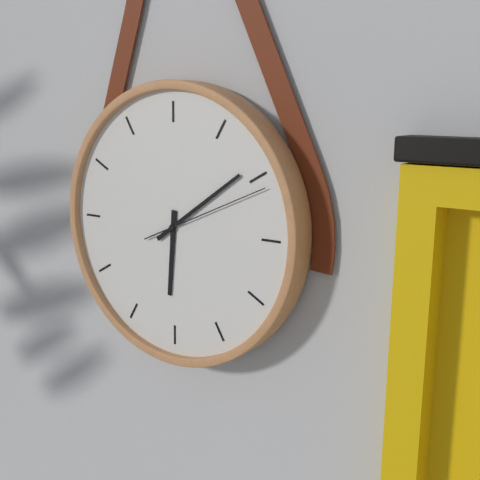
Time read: 6:09:11
